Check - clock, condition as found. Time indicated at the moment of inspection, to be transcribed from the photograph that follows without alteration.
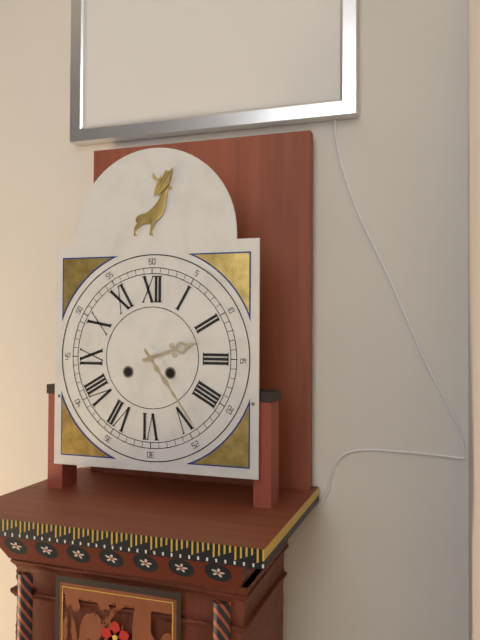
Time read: 2:24
